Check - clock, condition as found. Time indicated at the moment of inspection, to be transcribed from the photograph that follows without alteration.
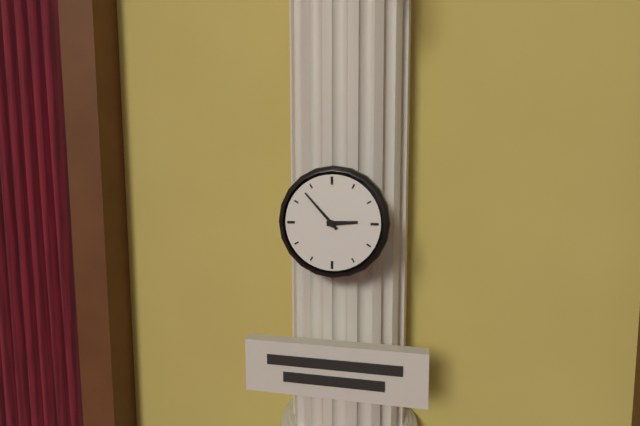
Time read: 2:53
